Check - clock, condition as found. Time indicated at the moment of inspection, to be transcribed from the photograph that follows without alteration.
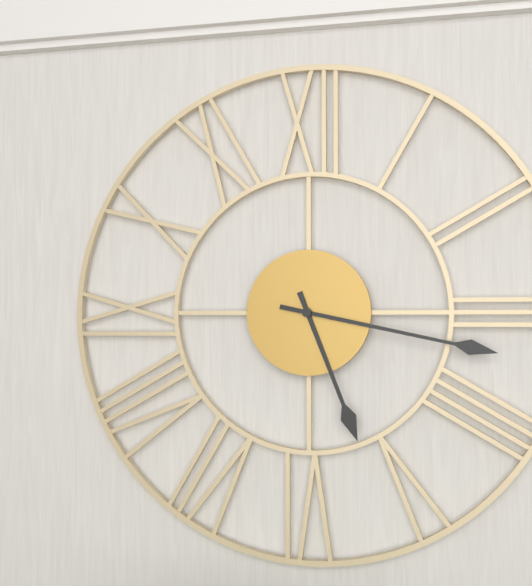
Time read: 5:17
